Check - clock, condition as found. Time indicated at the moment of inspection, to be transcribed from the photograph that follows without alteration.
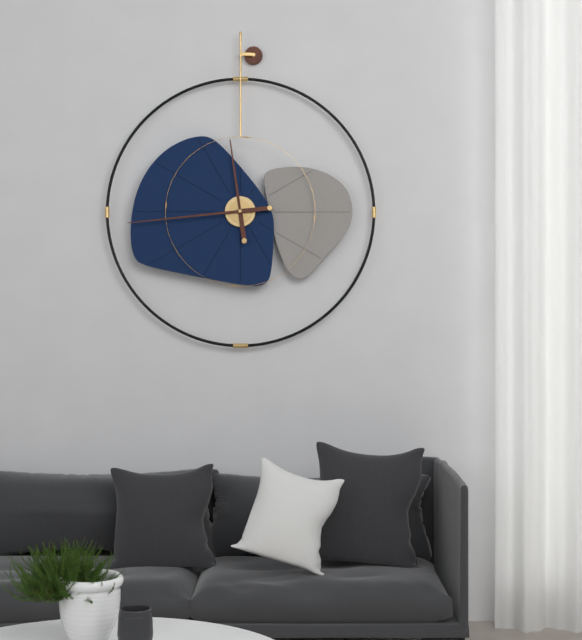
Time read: 11:44
